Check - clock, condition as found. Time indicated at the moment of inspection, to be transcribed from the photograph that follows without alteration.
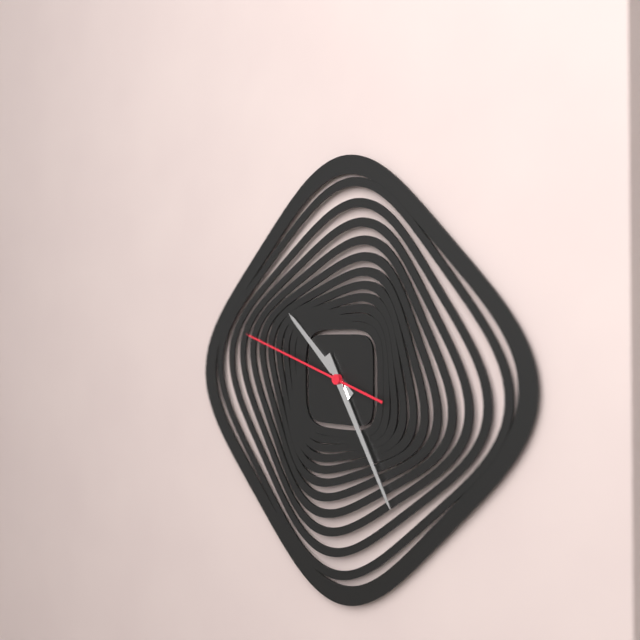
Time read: 10:25:48
